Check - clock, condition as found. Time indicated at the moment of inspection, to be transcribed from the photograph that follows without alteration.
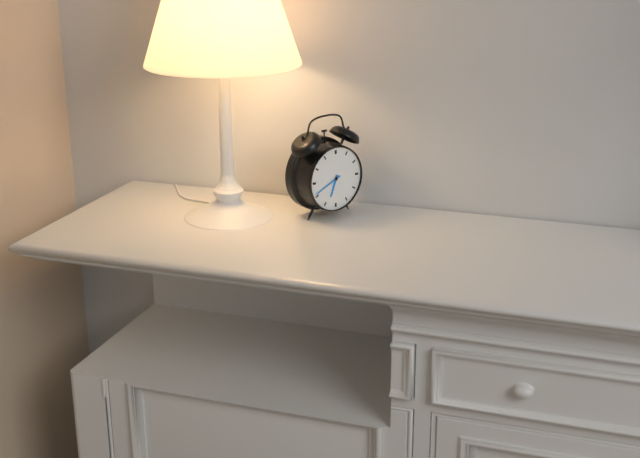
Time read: 6:41
